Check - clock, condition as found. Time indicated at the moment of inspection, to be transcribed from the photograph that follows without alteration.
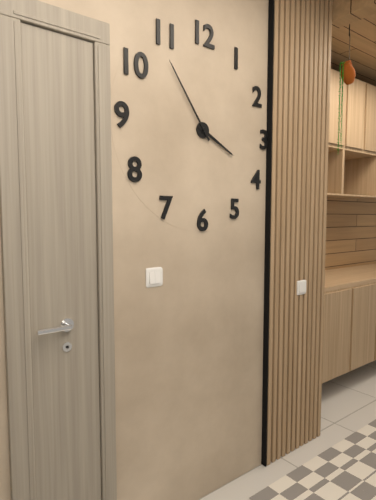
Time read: 3:54
